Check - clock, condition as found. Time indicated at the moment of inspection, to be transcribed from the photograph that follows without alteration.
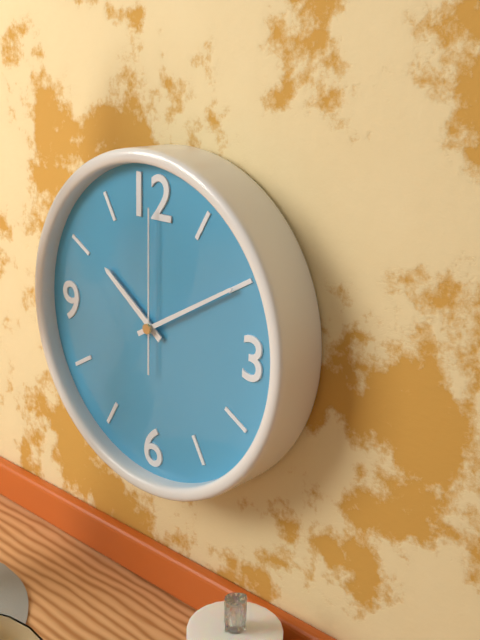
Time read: 10:10:00
